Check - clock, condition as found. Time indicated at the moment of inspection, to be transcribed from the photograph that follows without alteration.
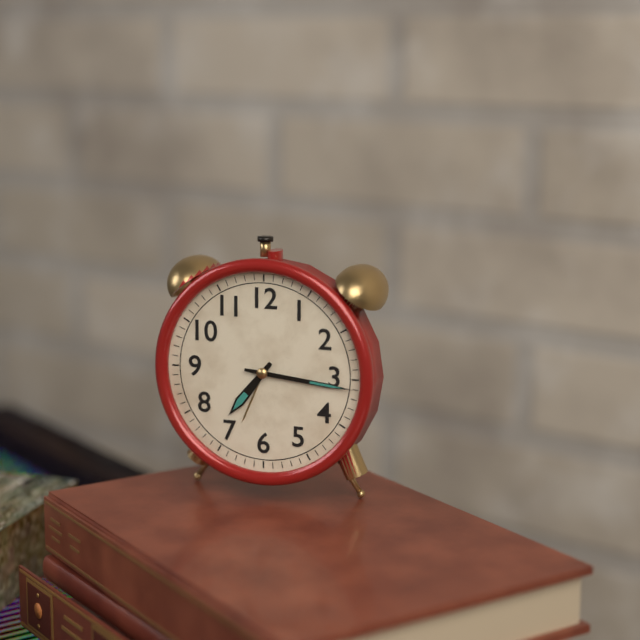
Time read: 7:16
